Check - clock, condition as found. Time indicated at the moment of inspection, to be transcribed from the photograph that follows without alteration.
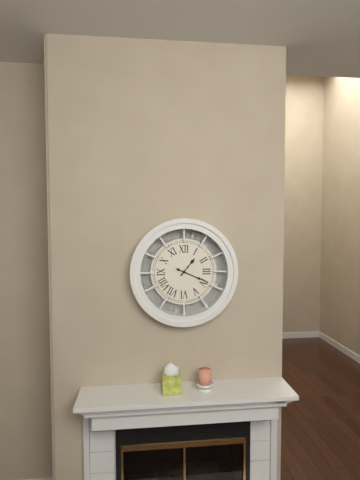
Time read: 1:19
